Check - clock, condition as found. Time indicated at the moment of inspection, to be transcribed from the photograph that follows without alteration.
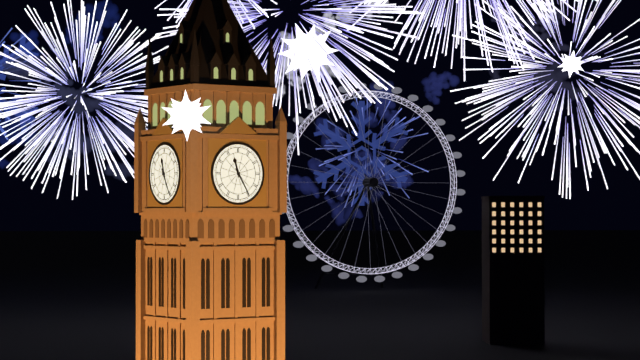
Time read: 11:25
